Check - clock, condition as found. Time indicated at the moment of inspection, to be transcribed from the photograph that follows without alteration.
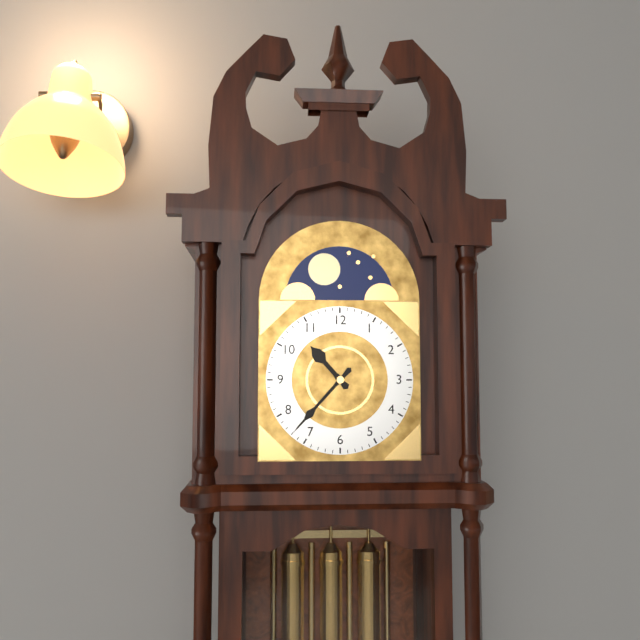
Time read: 10:37
